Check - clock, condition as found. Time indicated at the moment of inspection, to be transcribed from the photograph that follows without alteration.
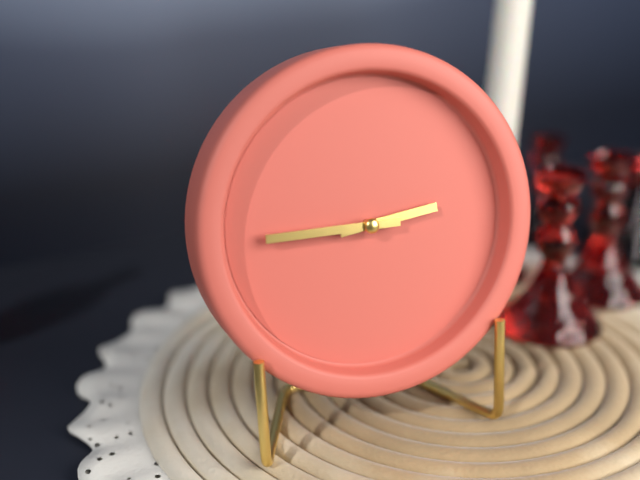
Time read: 2:45
